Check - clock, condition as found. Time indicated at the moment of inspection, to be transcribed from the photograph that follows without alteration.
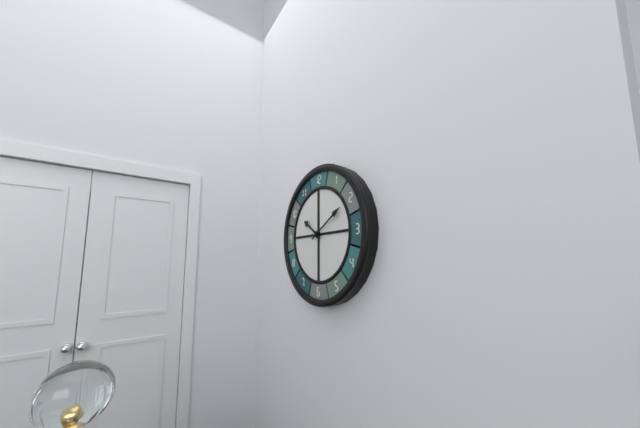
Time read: 10:10
